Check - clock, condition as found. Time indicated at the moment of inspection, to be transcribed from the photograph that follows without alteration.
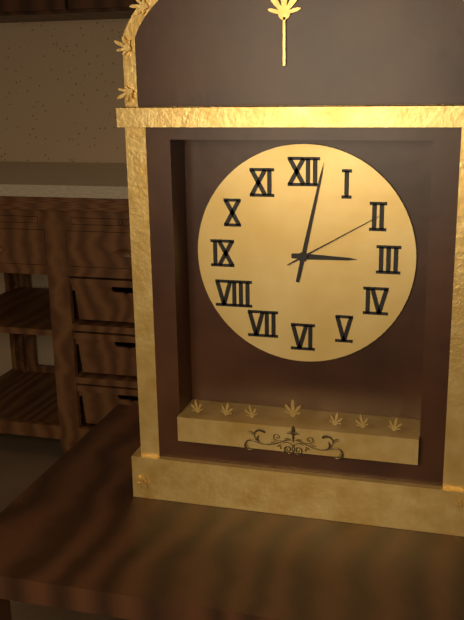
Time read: 3:02:10
